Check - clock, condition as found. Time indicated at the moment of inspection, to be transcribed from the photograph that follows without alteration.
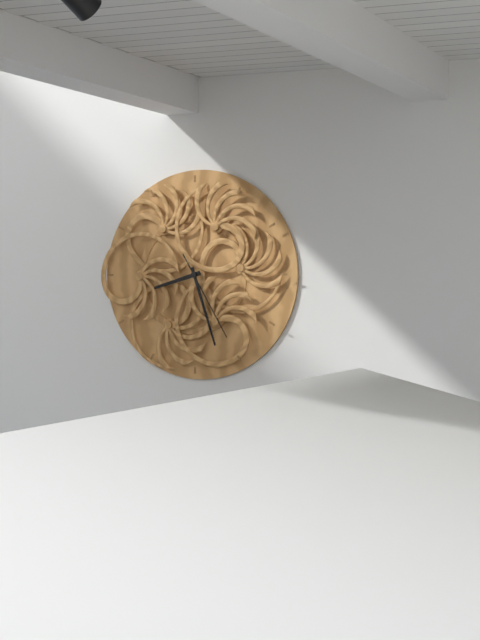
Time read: 8:27:25
